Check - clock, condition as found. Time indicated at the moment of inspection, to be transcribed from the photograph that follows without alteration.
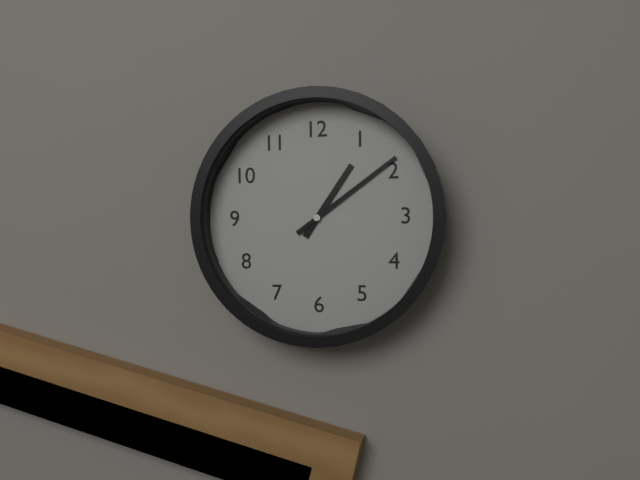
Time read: 1:09
